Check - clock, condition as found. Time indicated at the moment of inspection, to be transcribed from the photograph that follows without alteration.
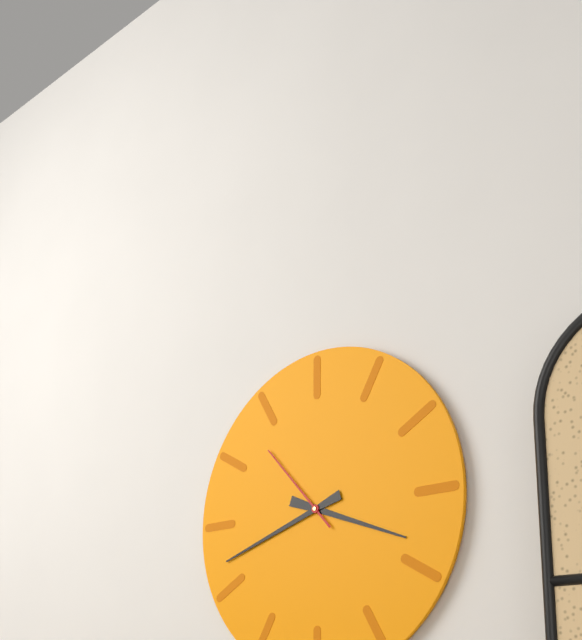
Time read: 3:42:53
